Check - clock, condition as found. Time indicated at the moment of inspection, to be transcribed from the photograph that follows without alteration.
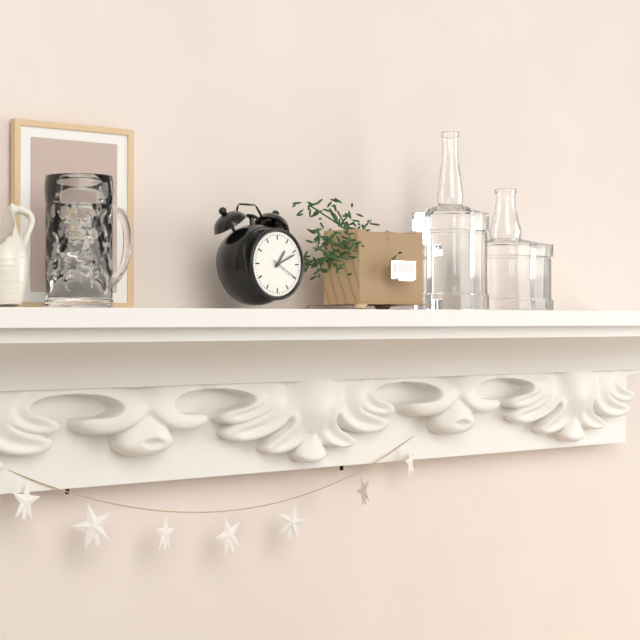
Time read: 1:11
